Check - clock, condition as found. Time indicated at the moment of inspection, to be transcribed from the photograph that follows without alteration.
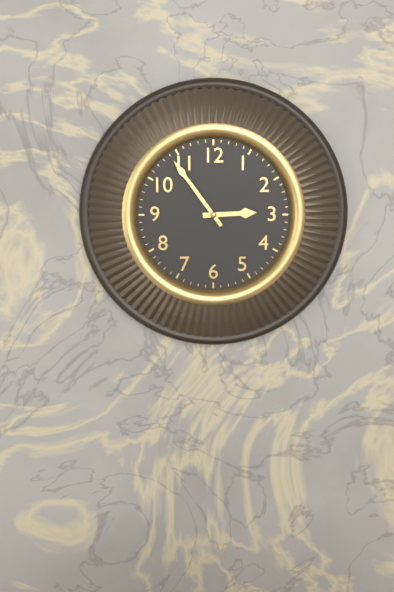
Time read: 2:54
